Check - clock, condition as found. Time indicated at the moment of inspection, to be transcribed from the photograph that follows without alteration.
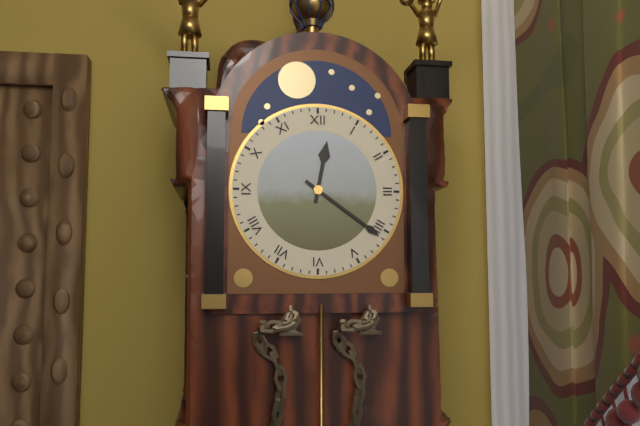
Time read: 12:21
